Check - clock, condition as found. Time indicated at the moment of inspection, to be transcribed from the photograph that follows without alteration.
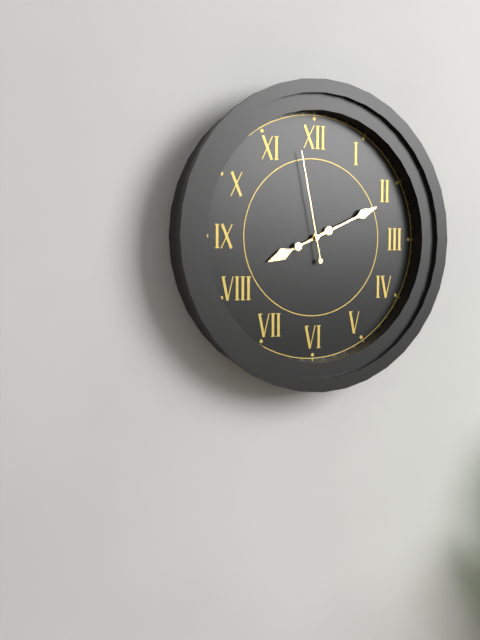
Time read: 8:11:58
